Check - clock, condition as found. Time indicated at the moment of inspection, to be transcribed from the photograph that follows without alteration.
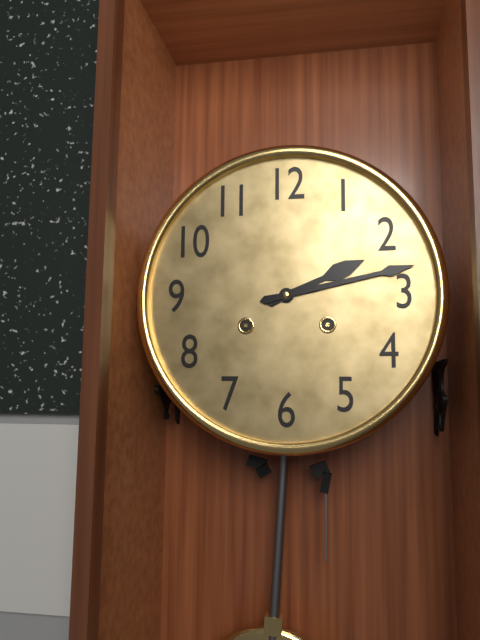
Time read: 2:13
